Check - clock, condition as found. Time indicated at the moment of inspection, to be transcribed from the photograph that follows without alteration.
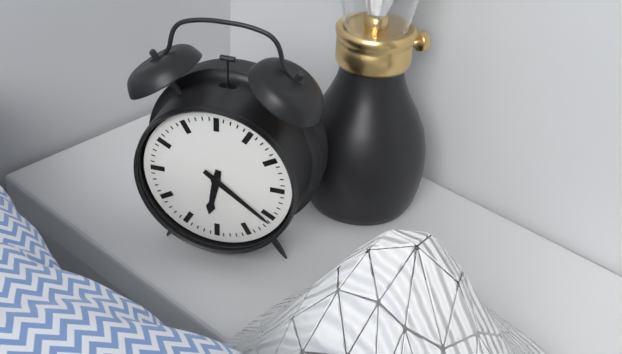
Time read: 6:21
